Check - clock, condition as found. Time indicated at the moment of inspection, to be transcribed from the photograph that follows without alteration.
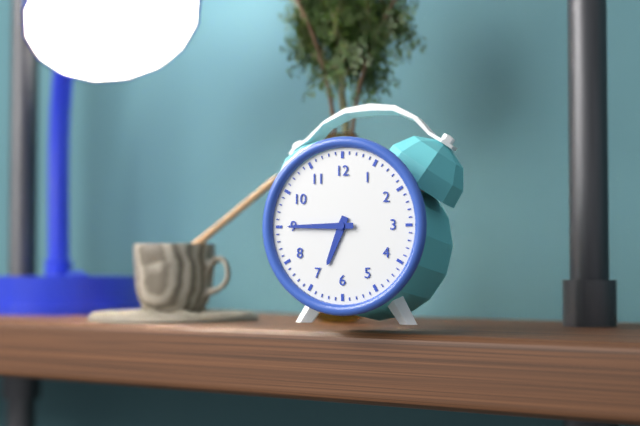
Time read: 6:45
